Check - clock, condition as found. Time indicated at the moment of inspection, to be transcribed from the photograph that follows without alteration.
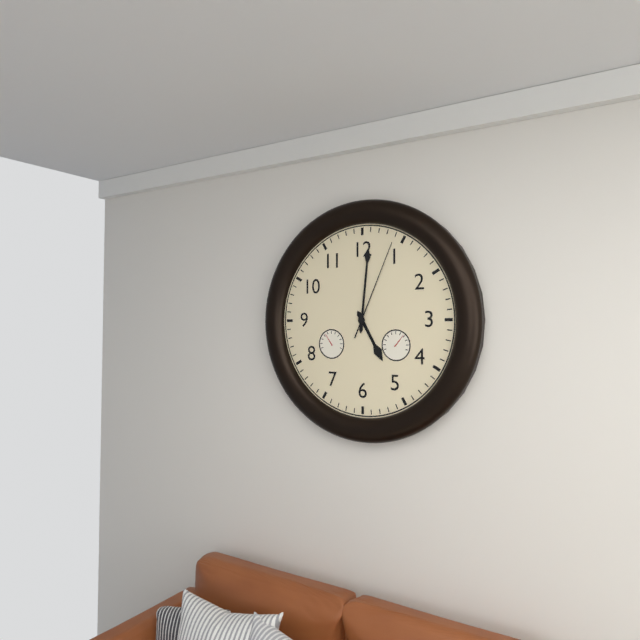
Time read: 5:01:04
